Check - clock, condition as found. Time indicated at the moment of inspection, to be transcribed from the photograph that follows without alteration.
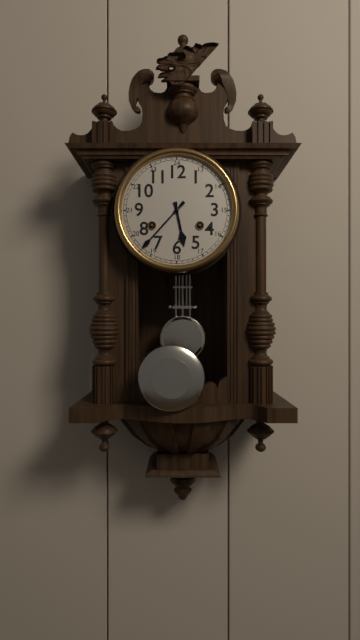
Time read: 5:37
